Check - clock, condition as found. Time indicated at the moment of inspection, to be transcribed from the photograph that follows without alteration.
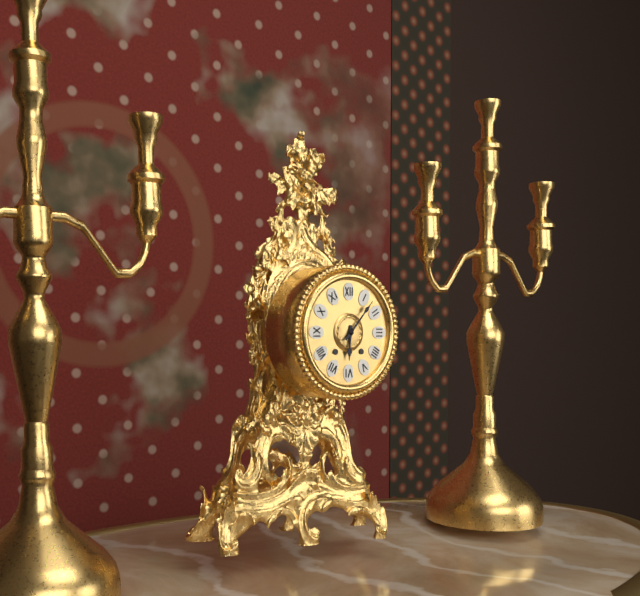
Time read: 6:07
